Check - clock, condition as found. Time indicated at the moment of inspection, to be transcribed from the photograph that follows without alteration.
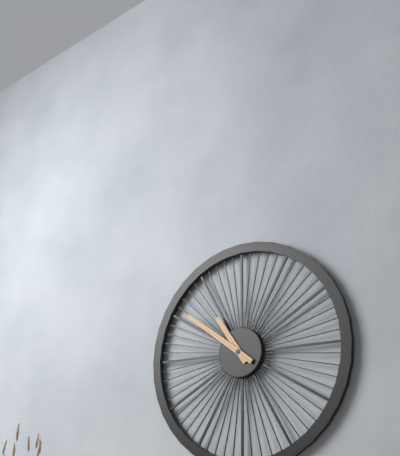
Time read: 10:51
